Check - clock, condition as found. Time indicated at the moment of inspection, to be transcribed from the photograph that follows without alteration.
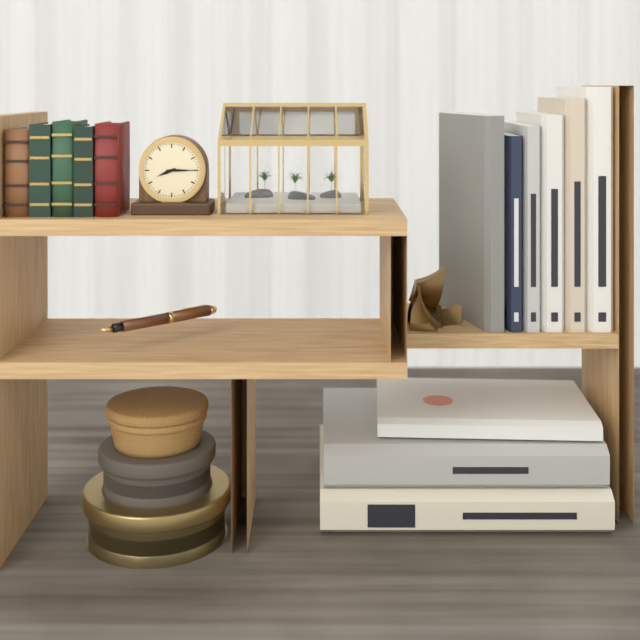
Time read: 8:15
